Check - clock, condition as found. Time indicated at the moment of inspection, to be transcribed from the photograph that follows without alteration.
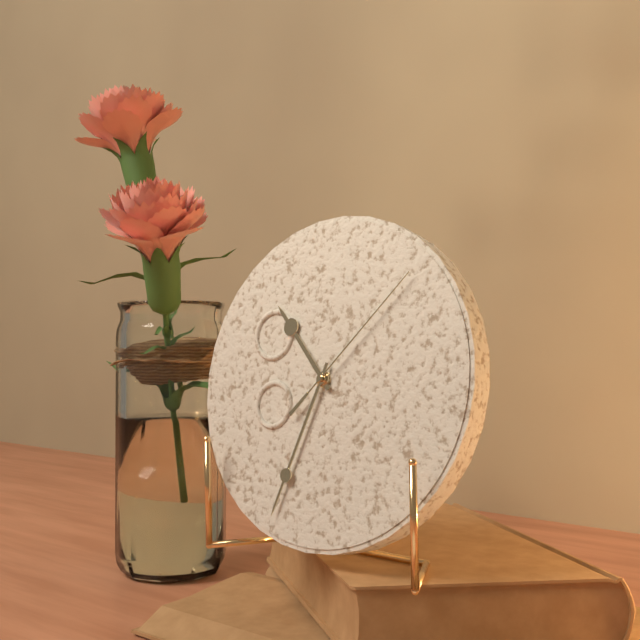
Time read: 10:33:07
